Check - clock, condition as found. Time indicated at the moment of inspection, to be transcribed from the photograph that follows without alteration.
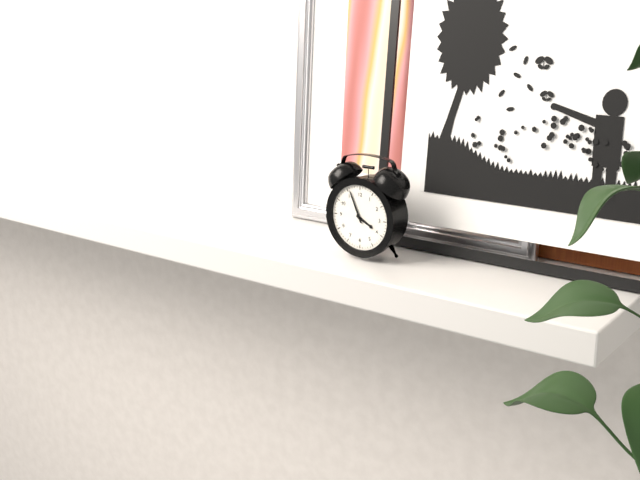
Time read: 3:56
